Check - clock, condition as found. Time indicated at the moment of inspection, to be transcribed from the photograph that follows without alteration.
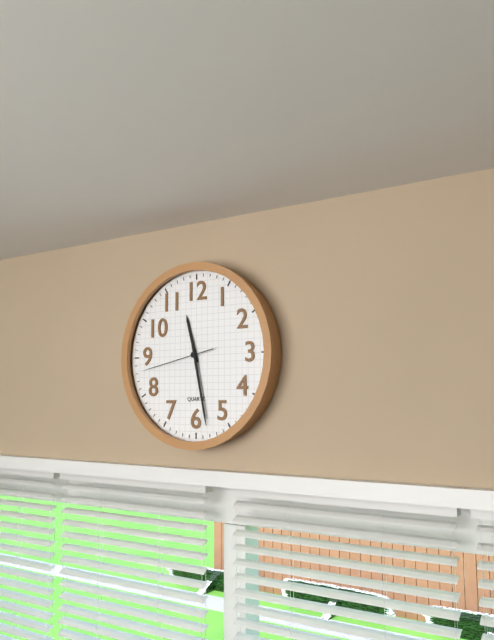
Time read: 11:28:43
